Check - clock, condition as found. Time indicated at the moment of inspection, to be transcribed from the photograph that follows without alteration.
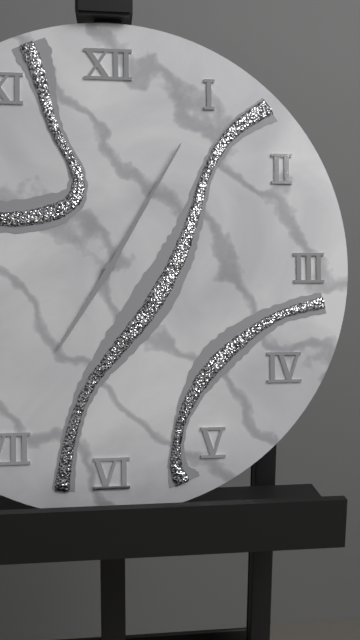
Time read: 7:05
